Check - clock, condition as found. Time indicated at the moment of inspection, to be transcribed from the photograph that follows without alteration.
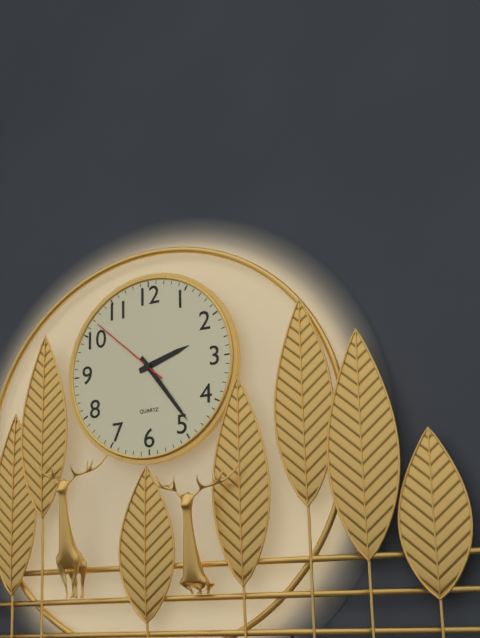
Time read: 2:24:52
